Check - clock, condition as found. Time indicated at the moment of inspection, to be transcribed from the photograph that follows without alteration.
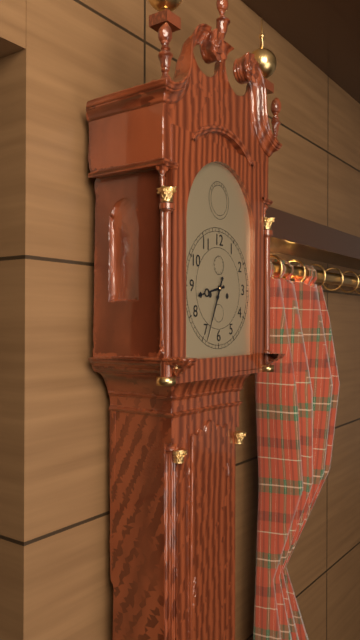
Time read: 8:34
